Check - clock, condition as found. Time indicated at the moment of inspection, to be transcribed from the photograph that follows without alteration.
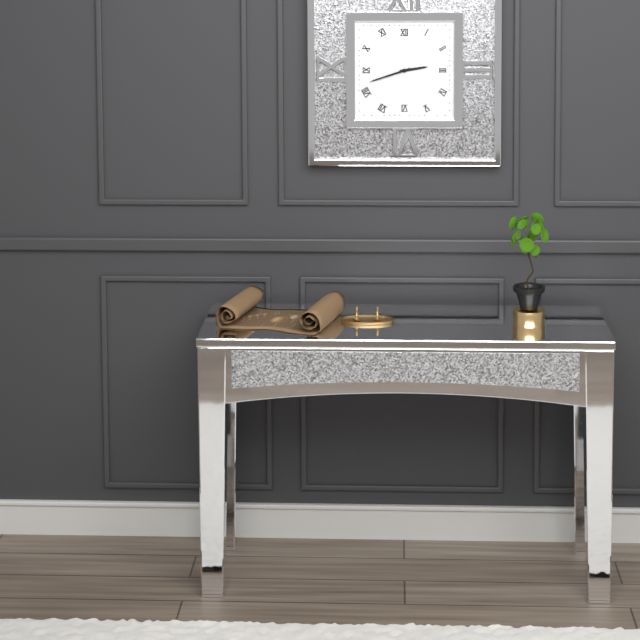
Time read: 2:42
